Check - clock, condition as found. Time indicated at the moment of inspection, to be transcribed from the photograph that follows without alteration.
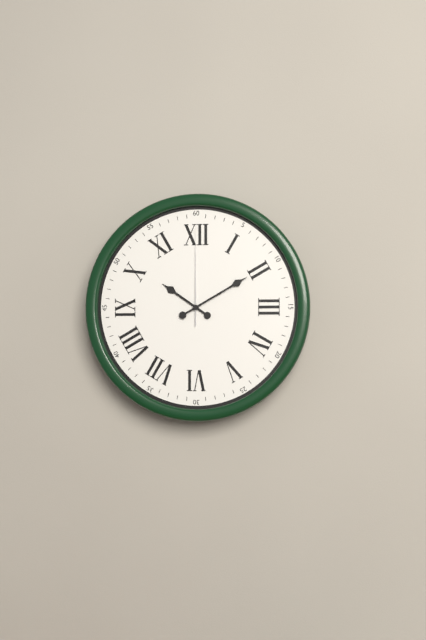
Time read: 10:10:00
